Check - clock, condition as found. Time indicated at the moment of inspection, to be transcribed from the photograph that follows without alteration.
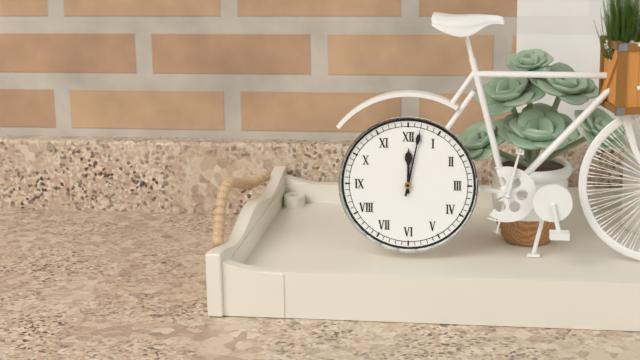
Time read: 12:02
